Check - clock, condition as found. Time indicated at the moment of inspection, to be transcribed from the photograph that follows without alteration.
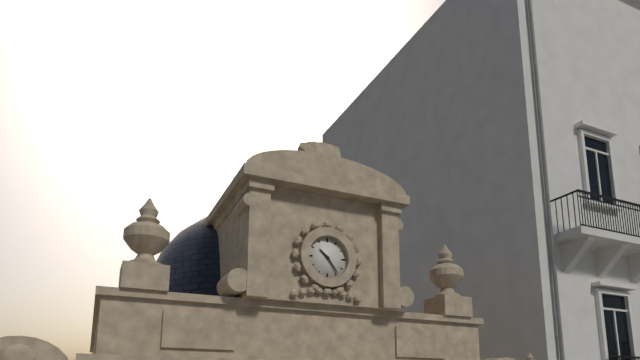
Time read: 10:24
